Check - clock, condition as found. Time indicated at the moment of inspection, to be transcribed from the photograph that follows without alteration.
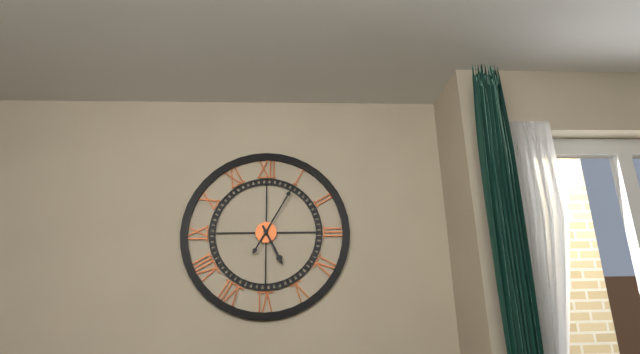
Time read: 5:05
